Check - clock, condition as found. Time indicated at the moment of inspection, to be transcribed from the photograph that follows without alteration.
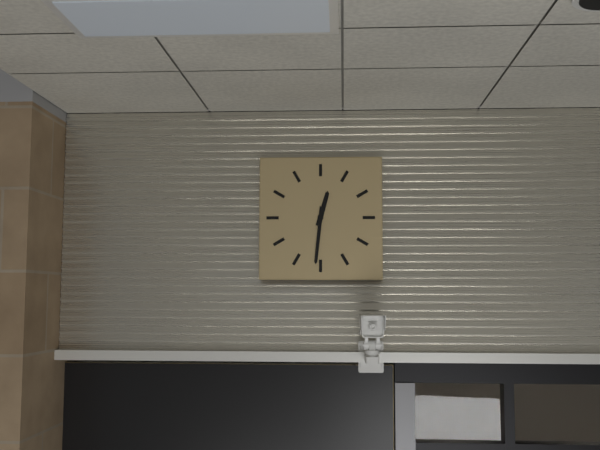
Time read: 12:31
